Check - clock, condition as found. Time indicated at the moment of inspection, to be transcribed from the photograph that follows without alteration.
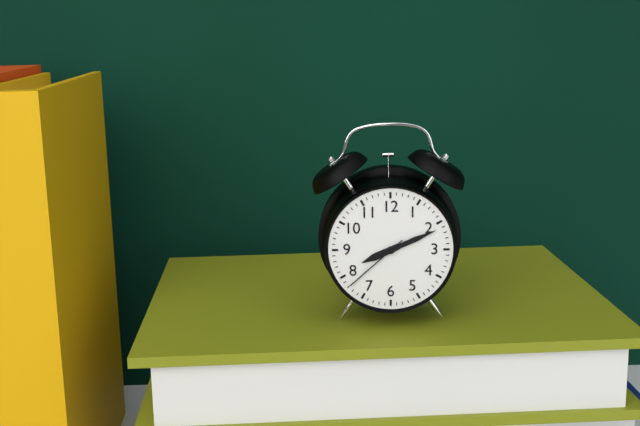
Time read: 8:11:38
